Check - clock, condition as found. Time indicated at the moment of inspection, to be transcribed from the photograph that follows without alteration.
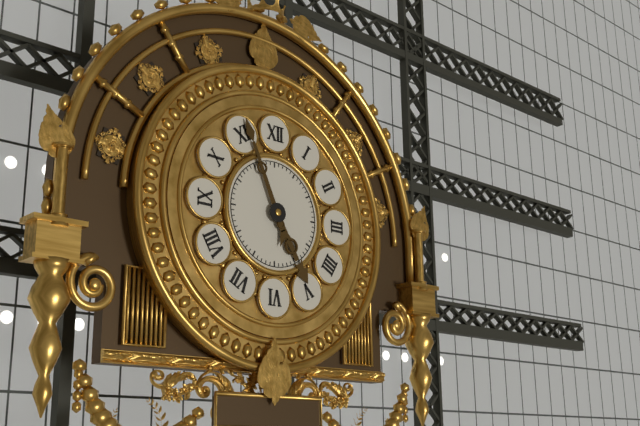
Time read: 4:56
